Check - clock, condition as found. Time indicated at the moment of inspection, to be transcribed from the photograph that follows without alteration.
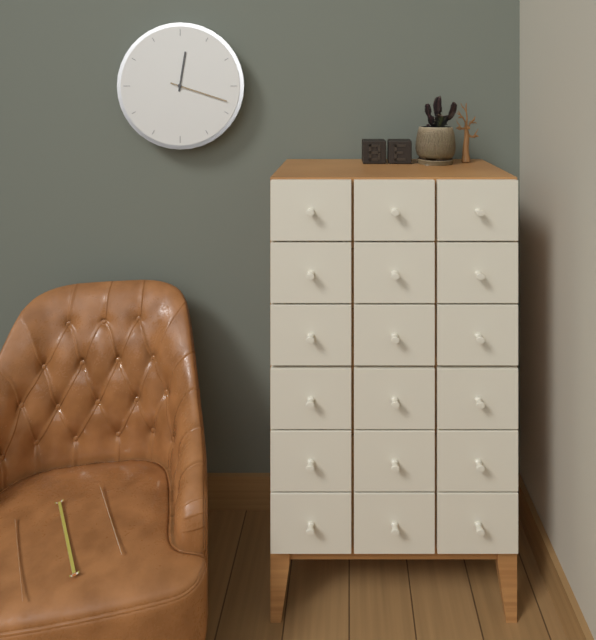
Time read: 12:18
